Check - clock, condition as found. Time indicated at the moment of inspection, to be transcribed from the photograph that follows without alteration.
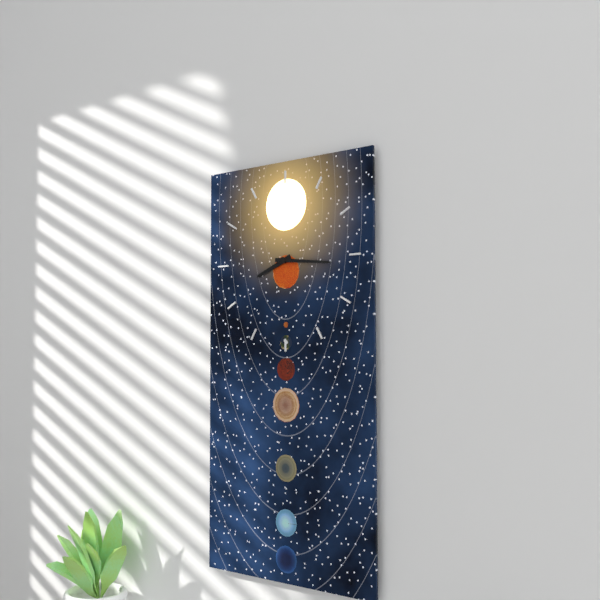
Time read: 8:16
